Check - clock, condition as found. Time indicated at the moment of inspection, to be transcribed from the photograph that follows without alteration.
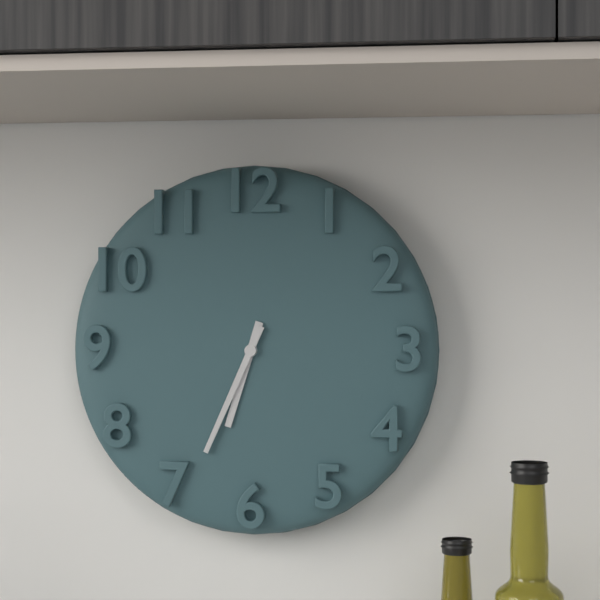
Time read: 6:34
